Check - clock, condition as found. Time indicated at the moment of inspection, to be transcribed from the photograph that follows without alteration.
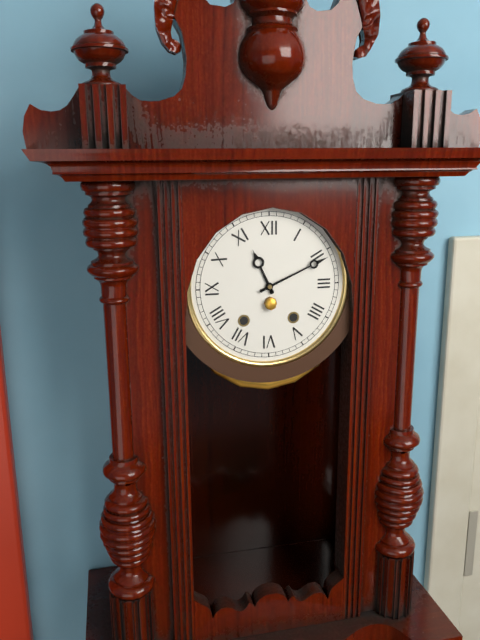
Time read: 11:11
